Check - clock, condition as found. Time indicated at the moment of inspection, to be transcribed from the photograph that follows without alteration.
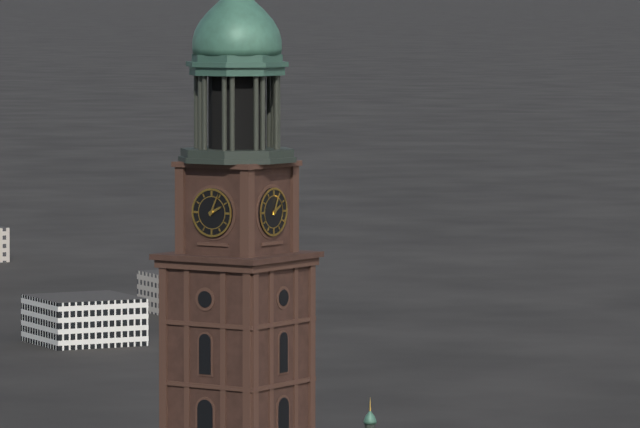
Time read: 2:04
